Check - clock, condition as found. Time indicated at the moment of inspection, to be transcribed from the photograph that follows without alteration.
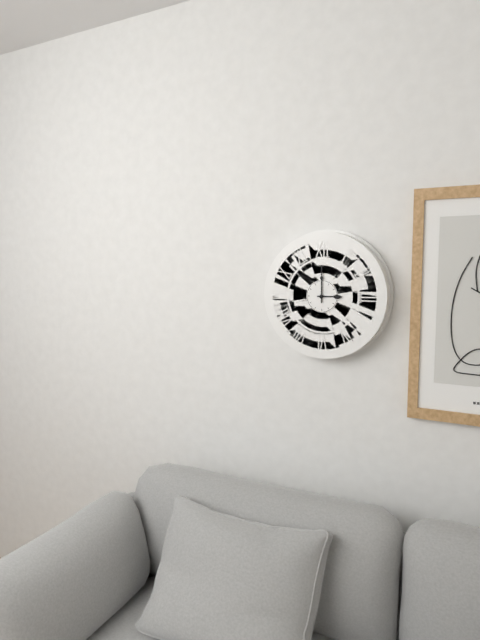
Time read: 3:00
